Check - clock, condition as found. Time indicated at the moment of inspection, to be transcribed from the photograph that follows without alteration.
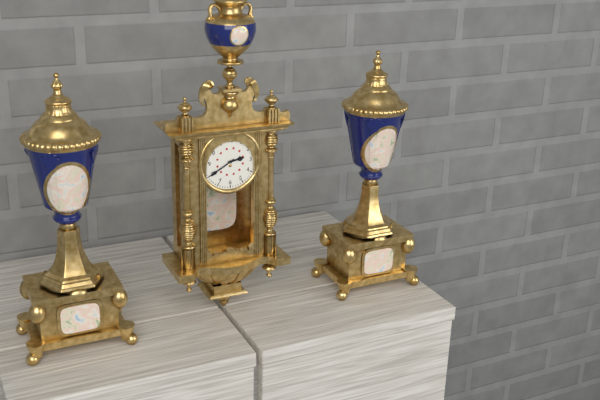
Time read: 2:40
